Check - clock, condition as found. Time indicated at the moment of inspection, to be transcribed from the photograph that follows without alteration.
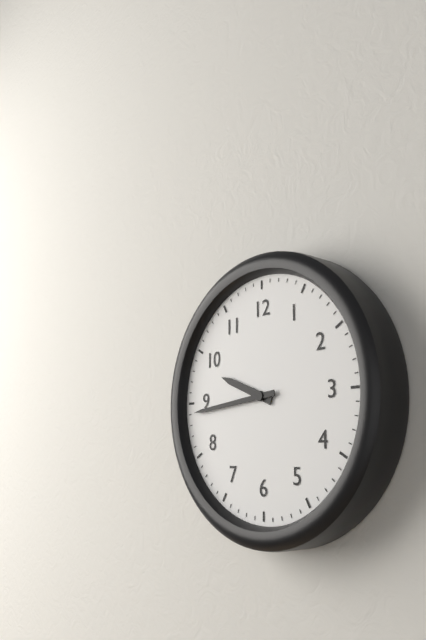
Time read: 9:44
